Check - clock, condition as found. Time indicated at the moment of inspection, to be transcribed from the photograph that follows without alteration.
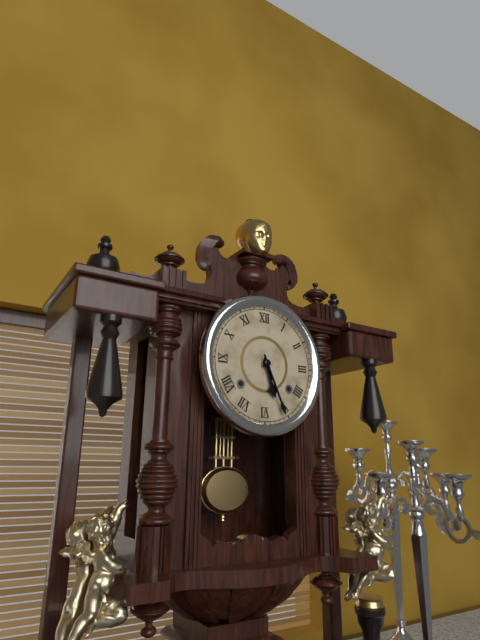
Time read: 5:26
